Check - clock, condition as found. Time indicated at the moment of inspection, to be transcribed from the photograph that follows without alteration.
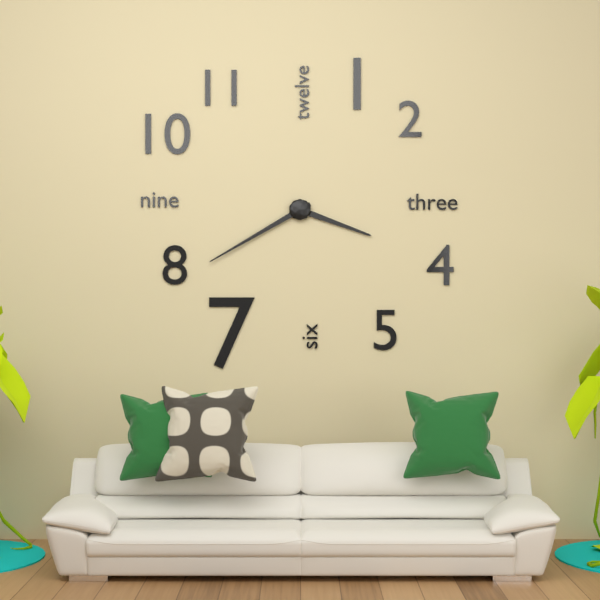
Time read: 3:40
